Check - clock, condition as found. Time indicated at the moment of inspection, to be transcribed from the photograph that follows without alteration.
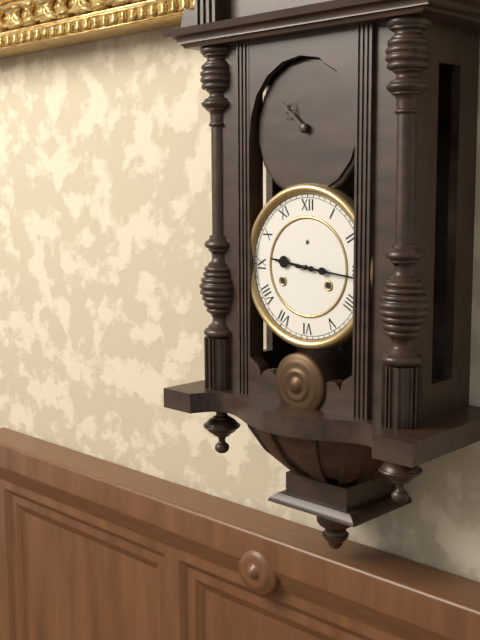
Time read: 9:16
